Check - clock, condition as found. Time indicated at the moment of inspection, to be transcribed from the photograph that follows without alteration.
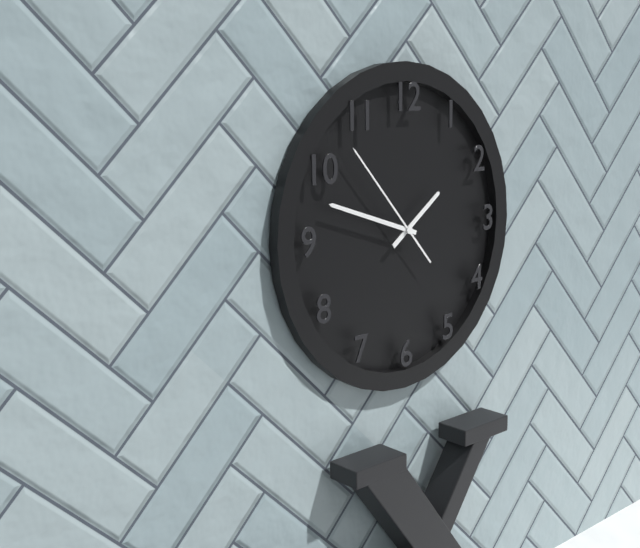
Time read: 1:48:53
